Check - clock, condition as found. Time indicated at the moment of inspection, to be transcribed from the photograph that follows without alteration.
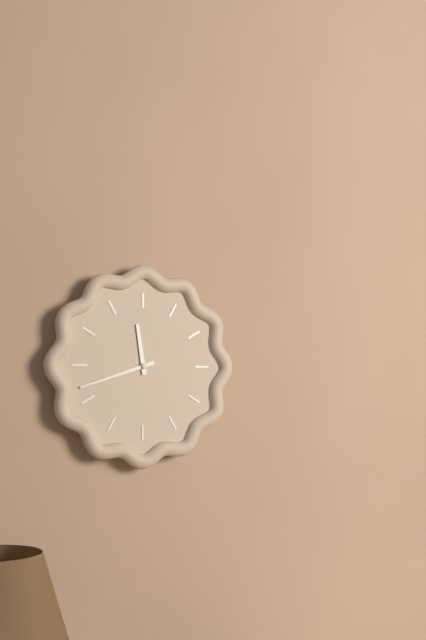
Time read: 11:42
